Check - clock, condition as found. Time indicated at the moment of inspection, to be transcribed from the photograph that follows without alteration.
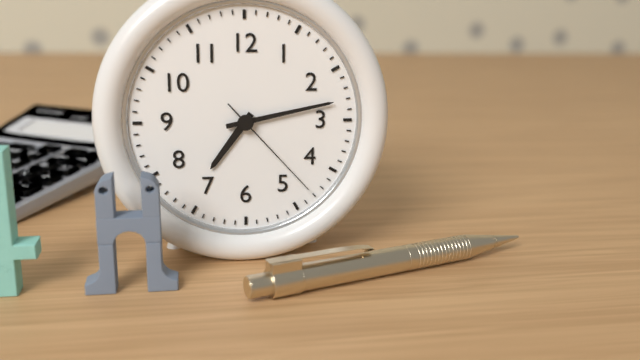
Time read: 7:13:23
